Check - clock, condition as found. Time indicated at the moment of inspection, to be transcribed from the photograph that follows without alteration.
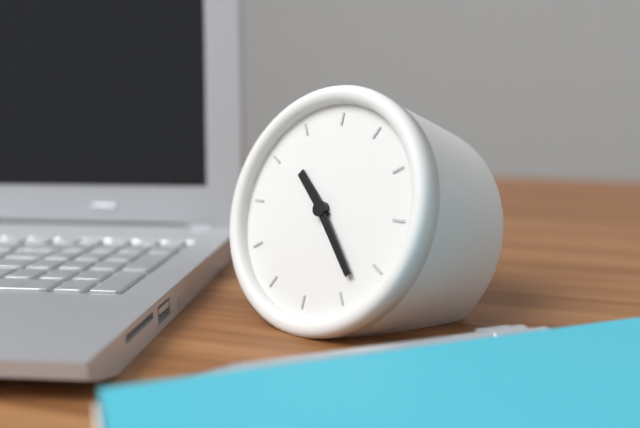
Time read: 10:23
